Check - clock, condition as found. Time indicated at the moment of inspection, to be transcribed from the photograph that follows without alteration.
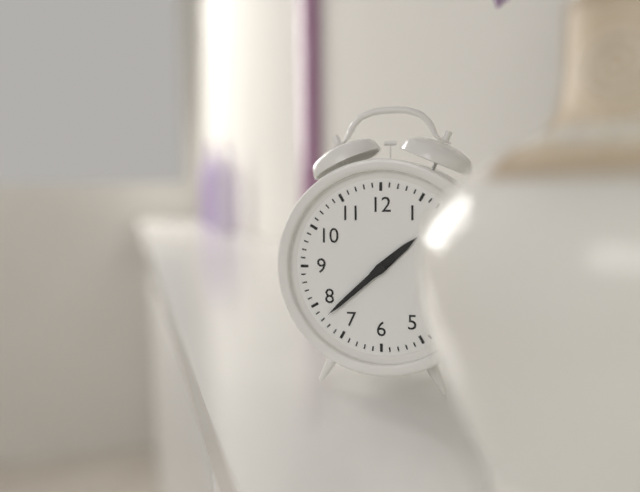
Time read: 1:38
